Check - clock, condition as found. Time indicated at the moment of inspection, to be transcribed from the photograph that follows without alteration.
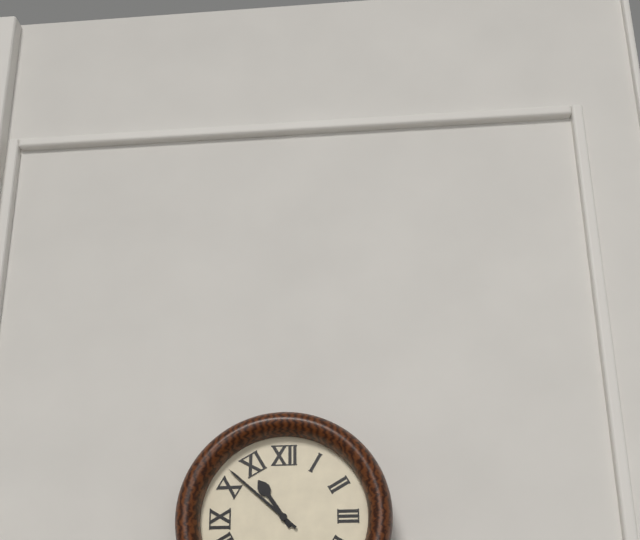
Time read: 10:52
